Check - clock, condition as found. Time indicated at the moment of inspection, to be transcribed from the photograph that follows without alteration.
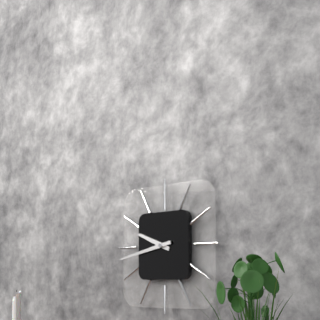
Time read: 9:43
